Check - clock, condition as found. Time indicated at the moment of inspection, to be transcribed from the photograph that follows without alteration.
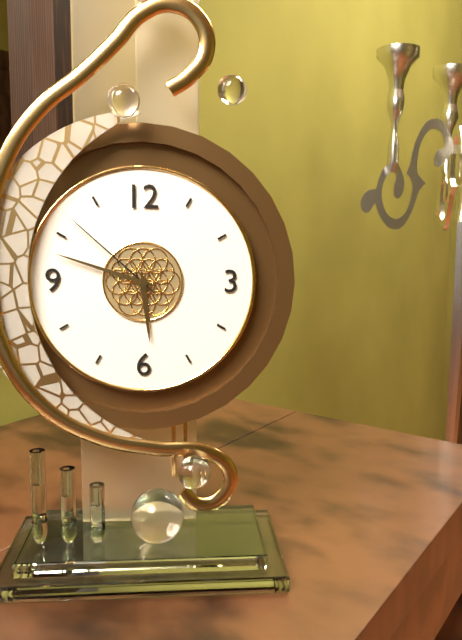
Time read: 5:48:52
